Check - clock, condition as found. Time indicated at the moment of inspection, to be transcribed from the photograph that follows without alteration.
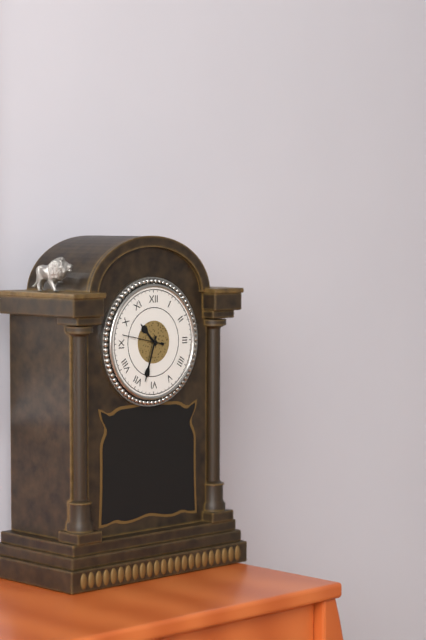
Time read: 10:33
